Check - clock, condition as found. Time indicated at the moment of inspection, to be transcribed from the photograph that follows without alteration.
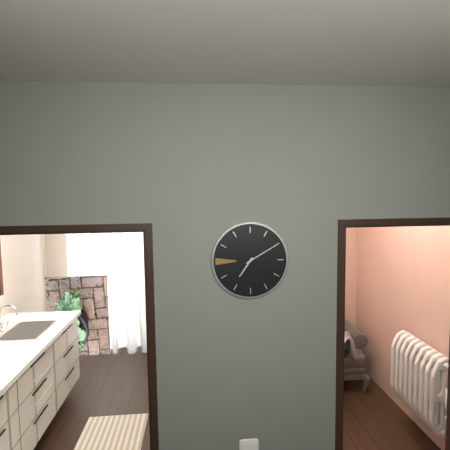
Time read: 7:10
